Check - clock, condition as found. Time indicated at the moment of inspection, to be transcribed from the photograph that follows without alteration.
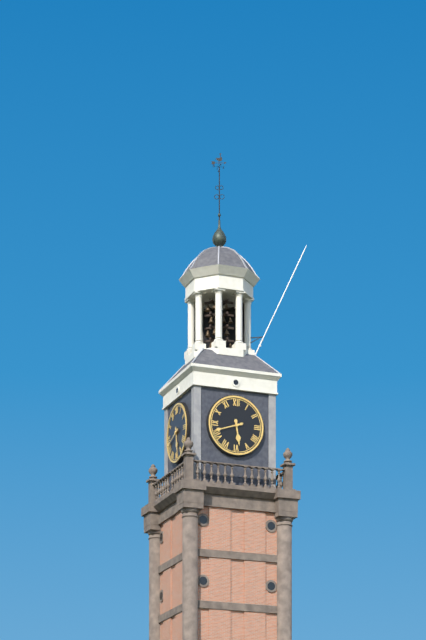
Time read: 5:42
